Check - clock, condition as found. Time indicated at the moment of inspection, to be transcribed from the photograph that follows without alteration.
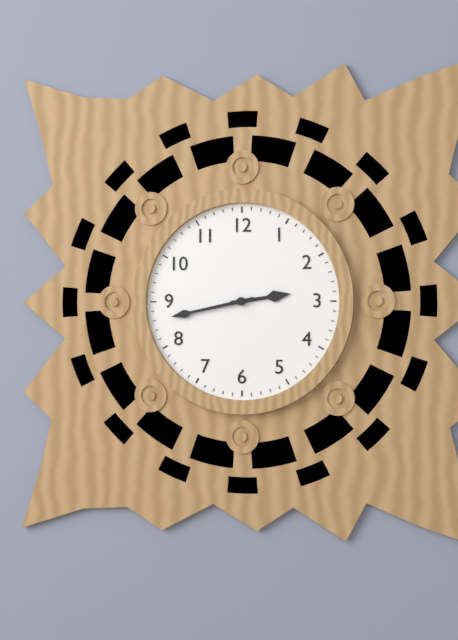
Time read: 2:43
